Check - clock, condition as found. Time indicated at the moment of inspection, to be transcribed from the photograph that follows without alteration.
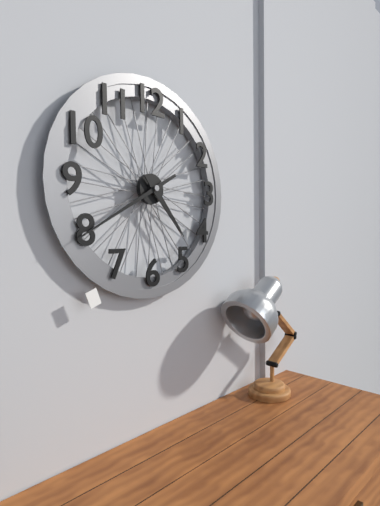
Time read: 4:40
